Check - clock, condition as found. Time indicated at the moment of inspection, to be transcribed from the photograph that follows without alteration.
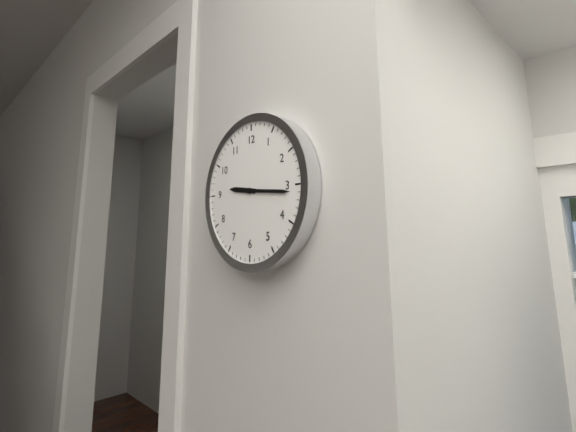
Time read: 9:16
